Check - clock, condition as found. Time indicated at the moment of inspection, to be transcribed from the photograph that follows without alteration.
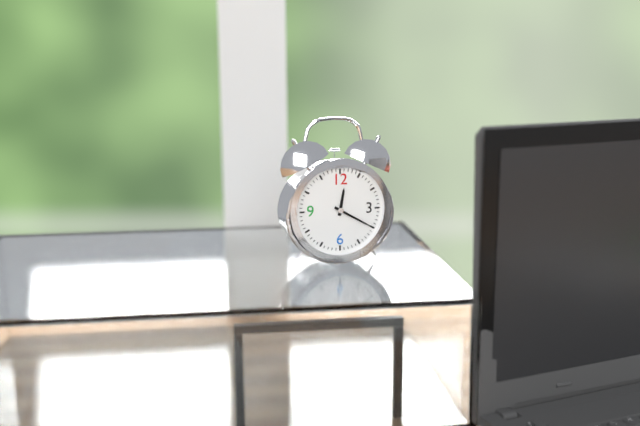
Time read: 12:20
